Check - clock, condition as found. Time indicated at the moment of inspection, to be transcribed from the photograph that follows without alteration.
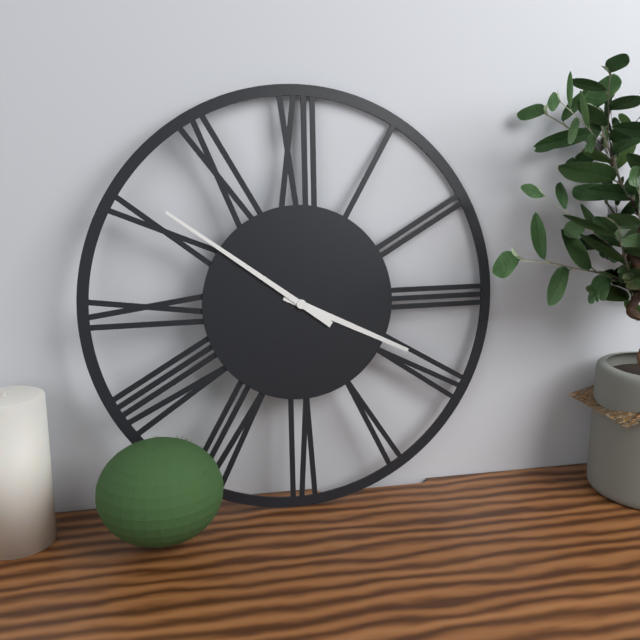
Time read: 3:51
